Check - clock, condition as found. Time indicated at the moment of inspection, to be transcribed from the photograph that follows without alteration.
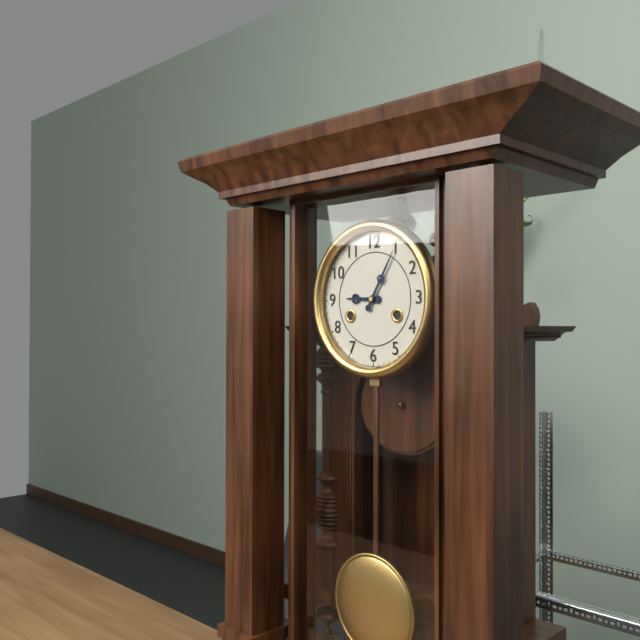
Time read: 9:05
